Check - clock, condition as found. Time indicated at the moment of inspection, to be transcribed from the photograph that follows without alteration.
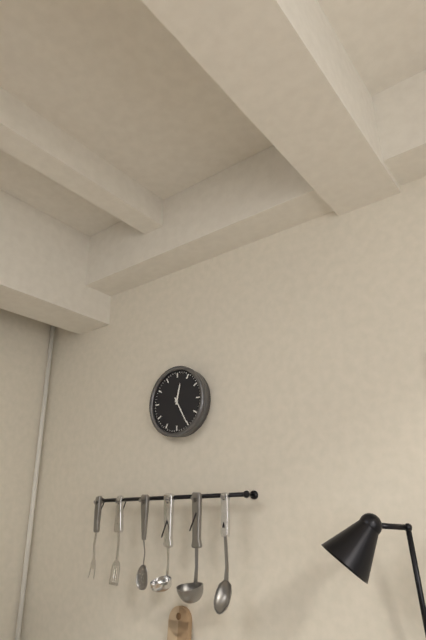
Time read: 12:25
